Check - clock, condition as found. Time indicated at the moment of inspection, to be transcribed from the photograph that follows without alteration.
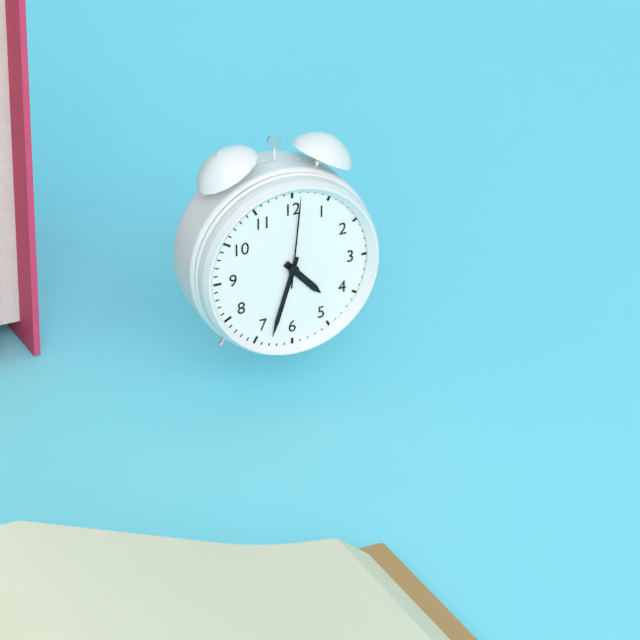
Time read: 4:33:01
